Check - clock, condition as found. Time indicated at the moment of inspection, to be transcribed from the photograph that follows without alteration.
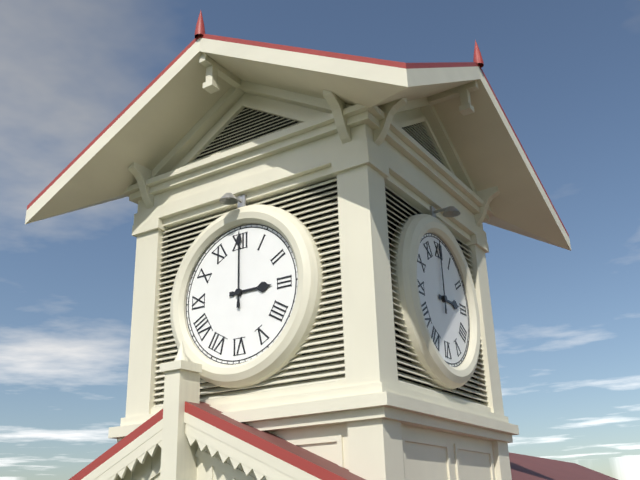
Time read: 3:00
